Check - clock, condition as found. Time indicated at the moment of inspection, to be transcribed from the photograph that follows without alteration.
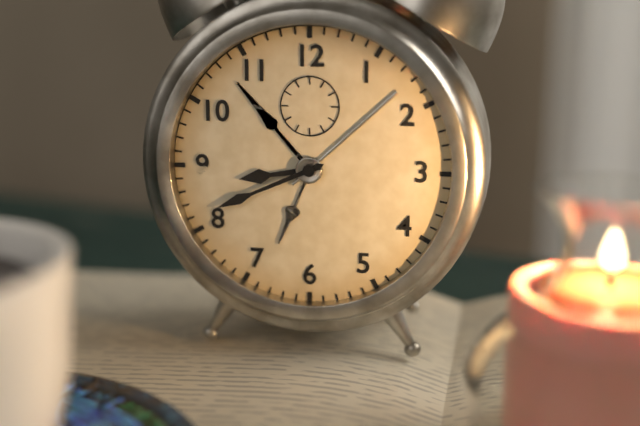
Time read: 8:41
